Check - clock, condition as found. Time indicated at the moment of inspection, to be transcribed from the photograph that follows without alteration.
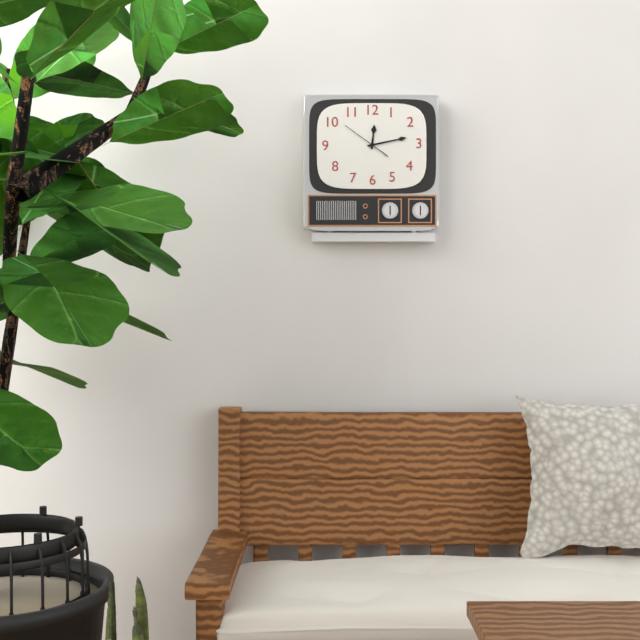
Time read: 12:13
